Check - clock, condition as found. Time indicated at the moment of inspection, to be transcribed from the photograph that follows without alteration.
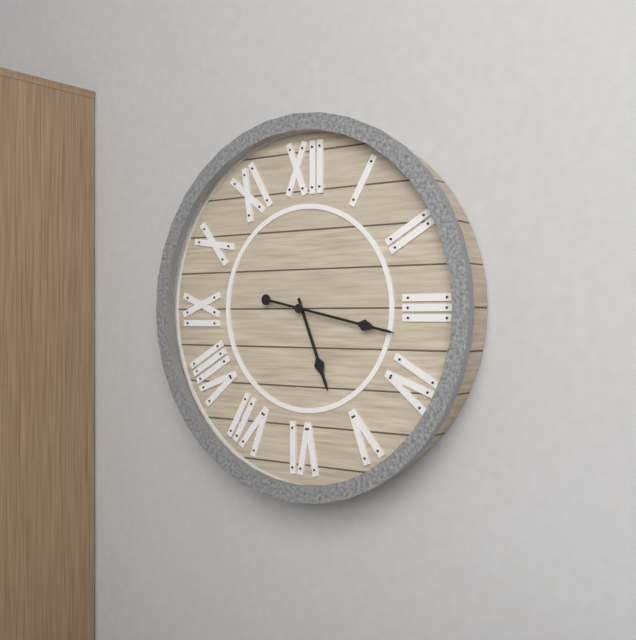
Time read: 5:17
